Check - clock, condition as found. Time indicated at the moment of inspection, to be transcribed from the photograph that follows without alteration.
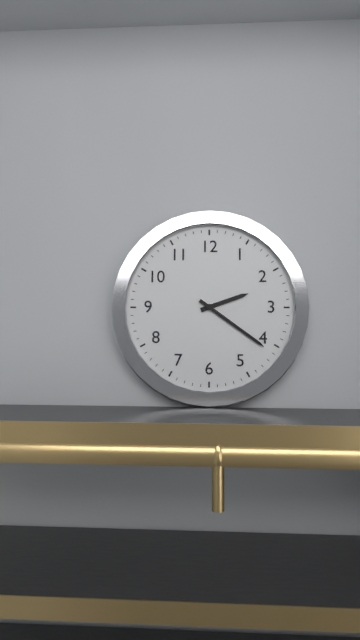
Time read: 2:21
